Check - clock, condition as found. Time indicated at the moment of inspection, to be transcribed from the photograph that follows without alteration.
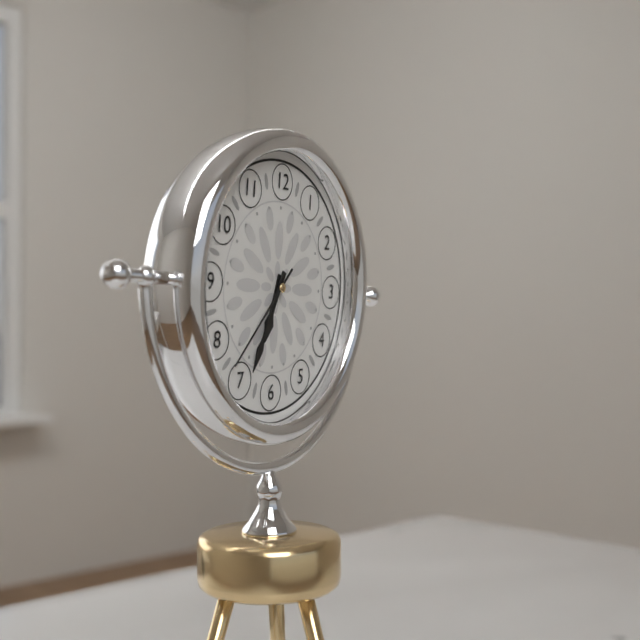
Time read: 6:34:37
